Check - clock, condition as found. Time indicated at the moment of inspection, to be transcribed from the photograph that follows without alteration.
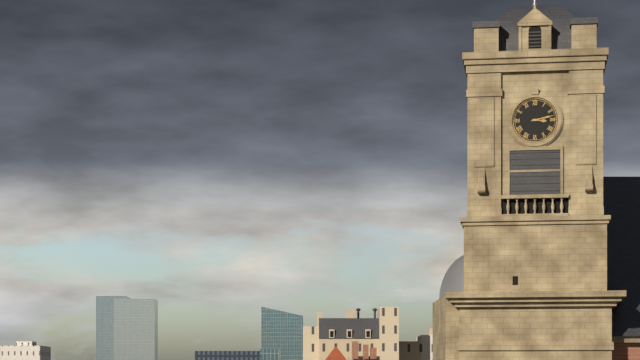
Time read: 3:13
